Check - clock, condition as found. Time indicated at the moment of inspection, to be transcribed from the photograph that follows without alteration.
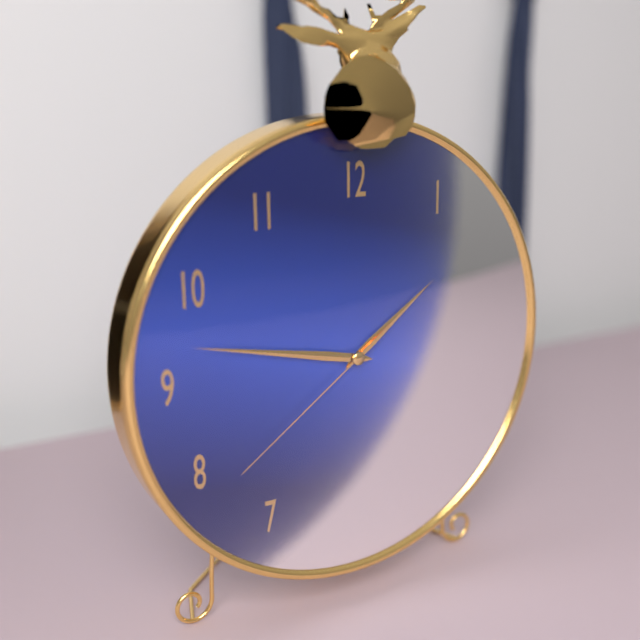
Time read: 1:47:39
